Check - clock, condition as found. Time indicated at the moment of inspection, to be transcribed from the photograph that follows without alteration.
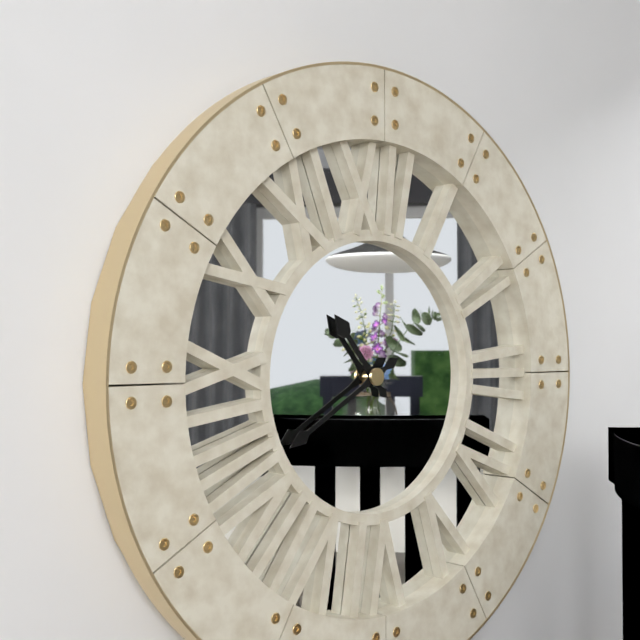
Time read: 10:40
